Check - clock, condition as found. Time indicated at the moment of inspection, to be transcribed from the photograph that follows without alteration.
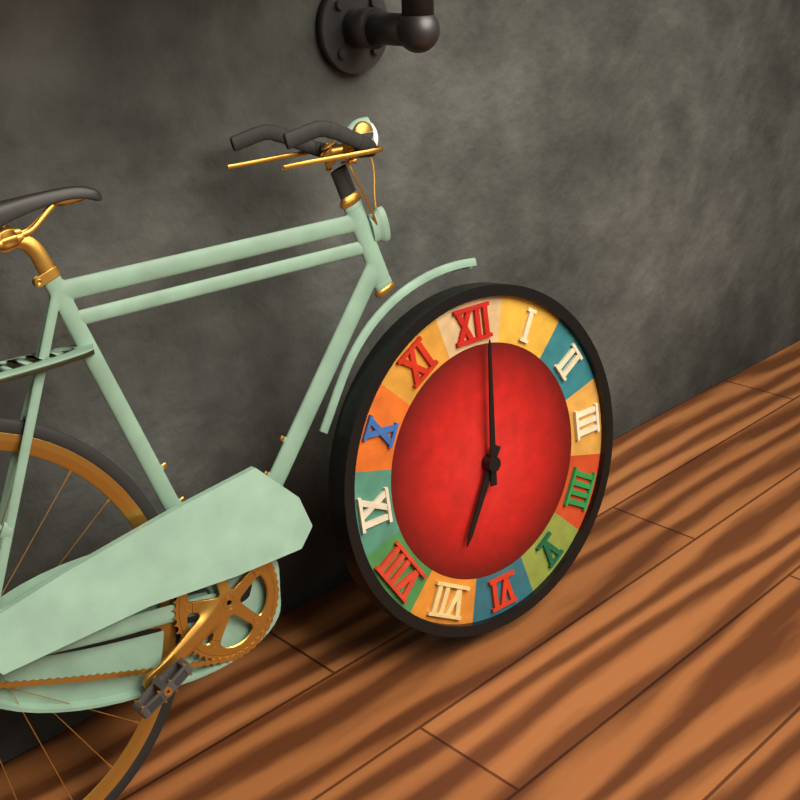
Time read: 7:01
